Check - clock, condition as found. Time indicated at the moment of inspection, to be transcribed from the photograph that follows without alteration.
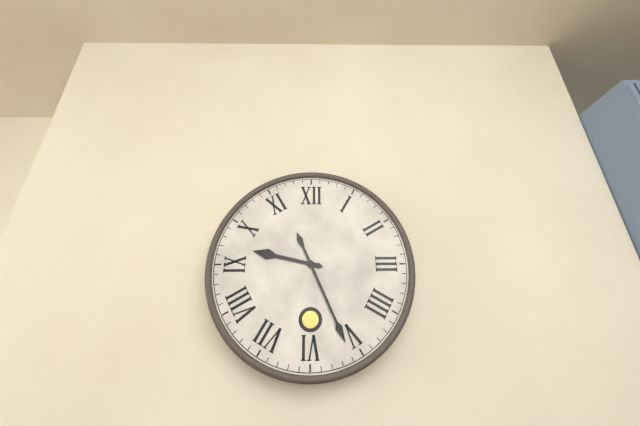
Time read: 9:26
